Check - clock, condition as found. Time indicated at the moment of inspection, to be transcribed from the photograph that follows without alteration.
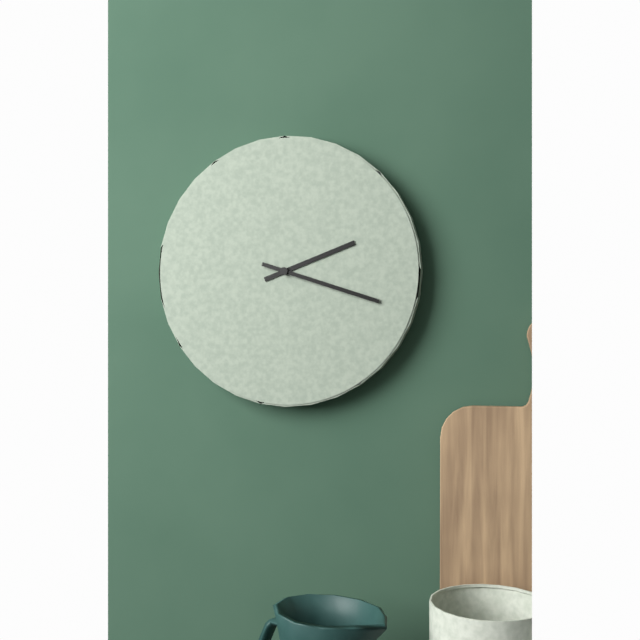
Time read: 2:18
